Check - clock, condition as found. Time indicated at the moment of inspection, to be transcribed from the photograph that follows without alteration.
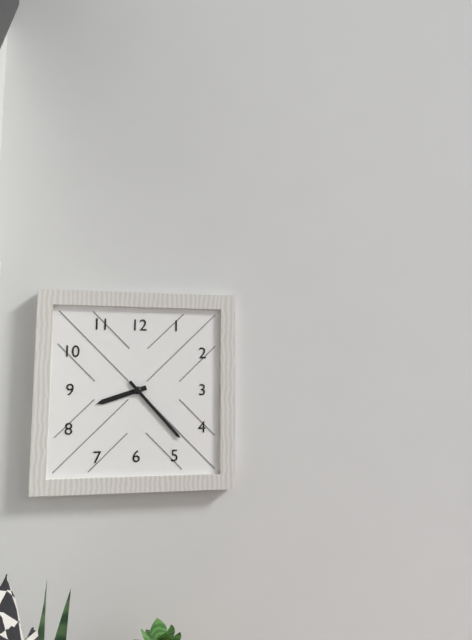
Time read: 8:23
